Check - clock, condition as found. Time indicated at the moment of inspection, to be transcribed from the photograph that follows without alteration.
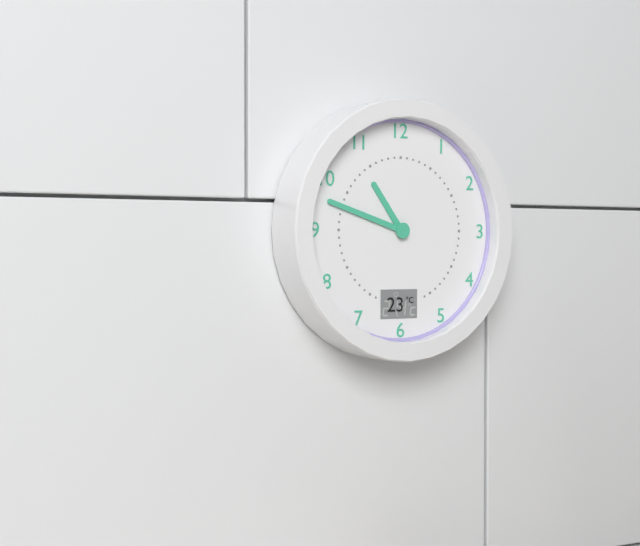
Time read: 10:48
